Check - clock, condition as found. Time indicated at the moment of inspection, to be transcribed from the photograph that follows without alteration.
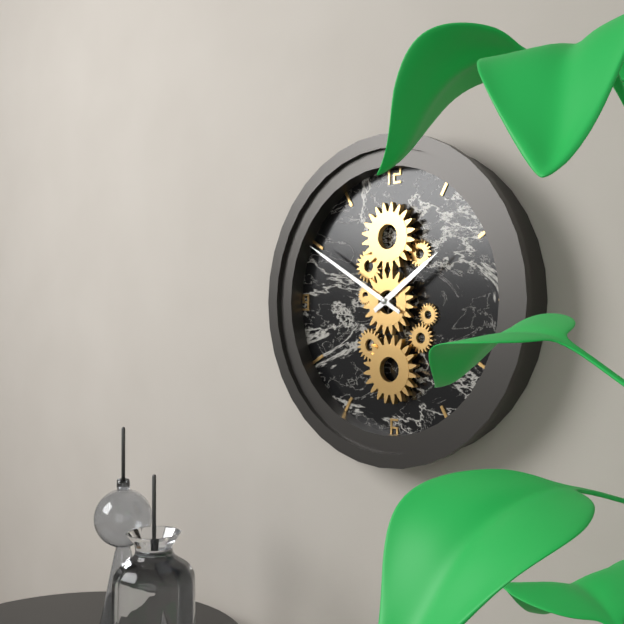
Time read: 1:50
